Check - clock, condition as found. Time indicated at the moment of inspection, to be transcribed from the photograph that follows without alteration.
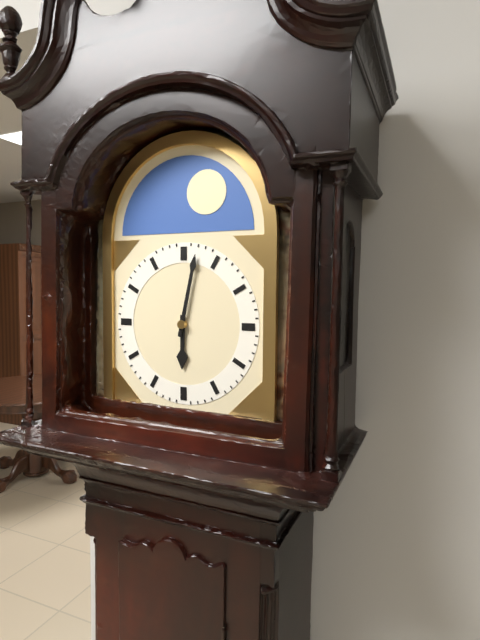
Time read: 6:02
